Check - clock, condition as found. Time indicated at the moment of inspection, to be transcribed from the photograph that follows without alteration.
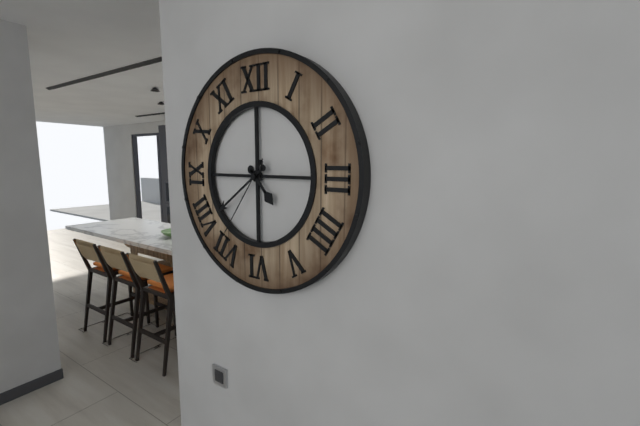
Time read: 4:39:36
